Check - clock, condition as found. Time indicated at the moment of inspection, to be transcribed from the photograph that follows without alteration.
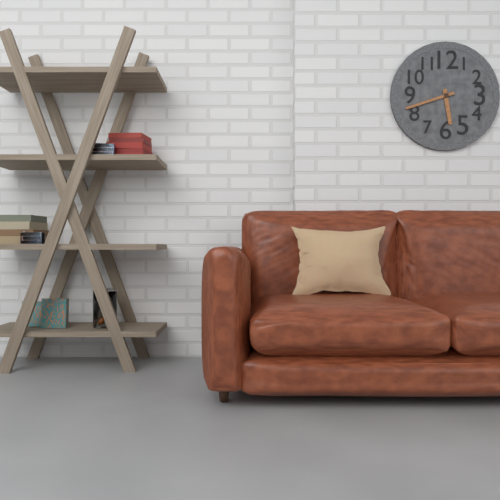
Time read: 5:42
